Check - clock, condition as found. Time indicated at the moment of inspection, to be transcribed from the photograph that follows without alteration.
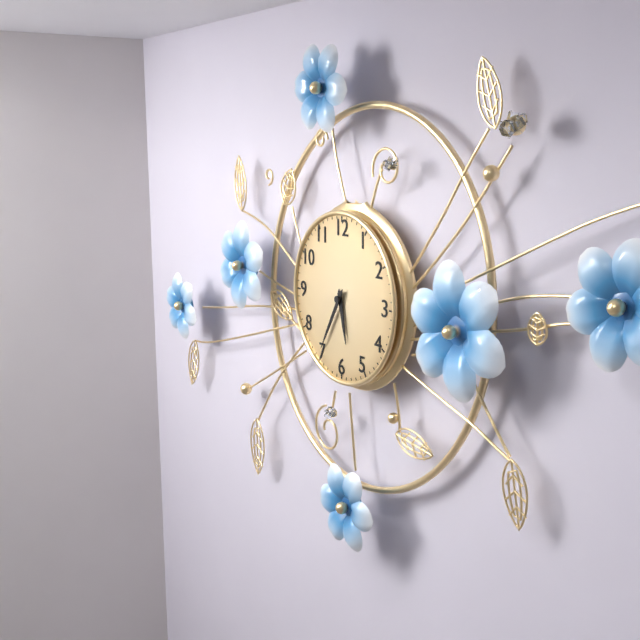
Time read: 5:35
